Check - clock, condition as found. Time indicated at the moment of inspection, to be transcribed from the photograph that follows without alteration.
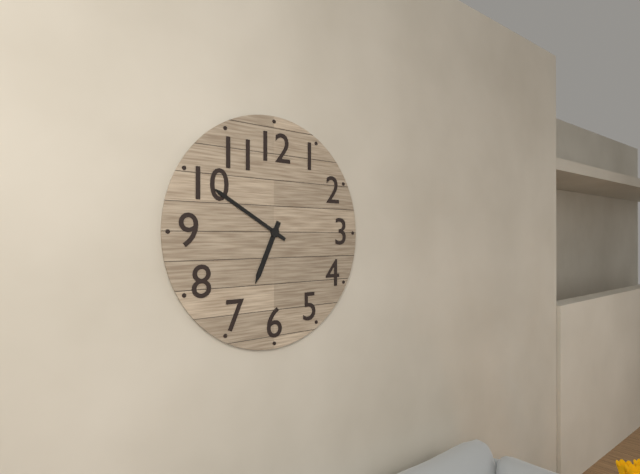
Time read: 6:50
